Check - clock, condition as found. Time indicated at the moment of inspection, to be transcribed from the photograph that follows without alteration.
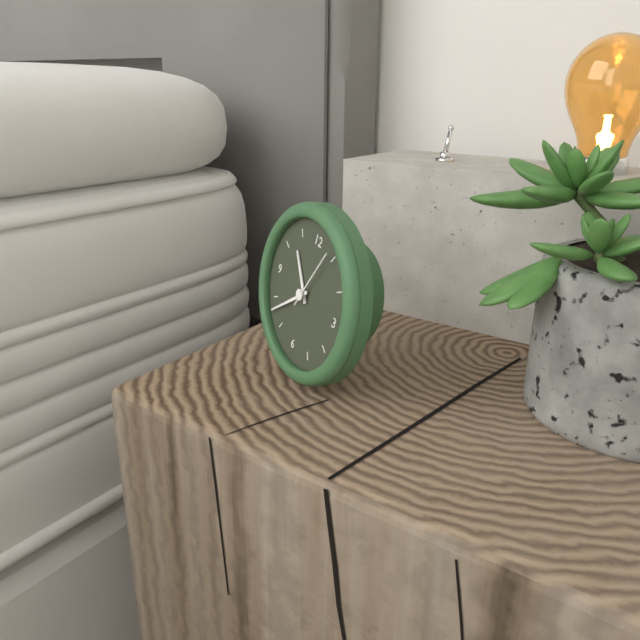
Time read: 10:38:04
